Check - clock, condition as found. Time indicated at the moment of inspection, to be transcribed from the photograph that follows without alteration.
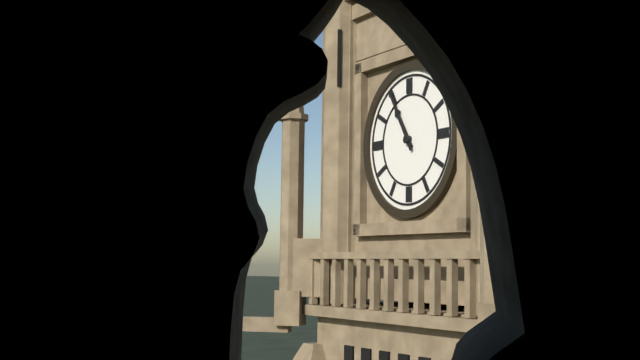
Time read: 10:55
